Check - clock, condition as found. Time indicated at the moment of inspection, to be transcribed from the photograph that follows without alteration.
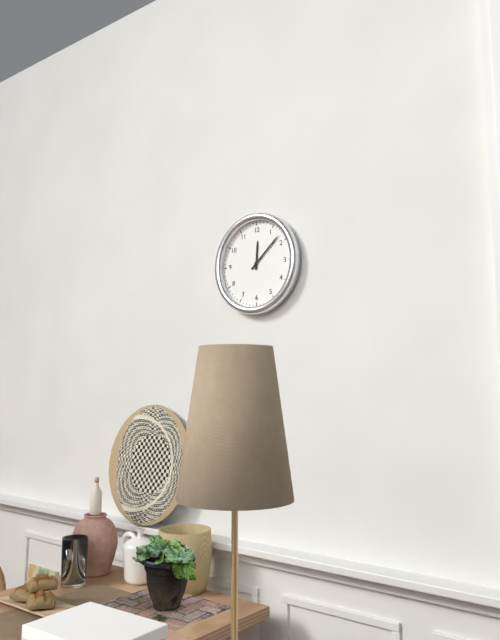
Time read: 12:08
